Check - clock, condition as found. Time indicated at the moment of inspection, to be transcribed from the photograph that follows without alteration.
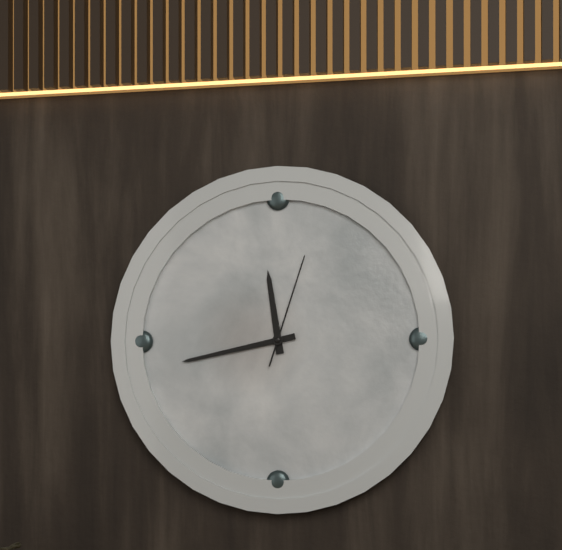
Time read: 11:43:03
